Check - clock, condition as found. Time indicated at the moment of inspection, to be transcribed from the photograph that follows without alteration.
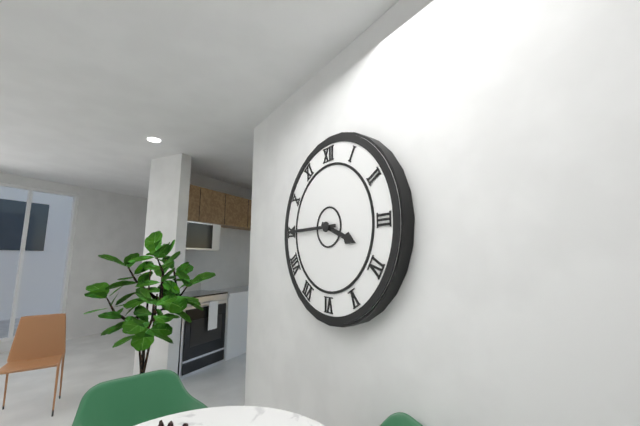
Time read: 3:45
